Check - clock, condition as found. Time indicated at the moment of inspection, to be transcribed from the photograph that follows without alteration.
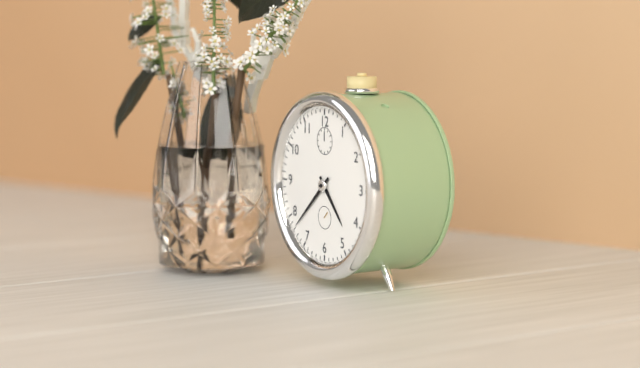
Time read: 4:38
